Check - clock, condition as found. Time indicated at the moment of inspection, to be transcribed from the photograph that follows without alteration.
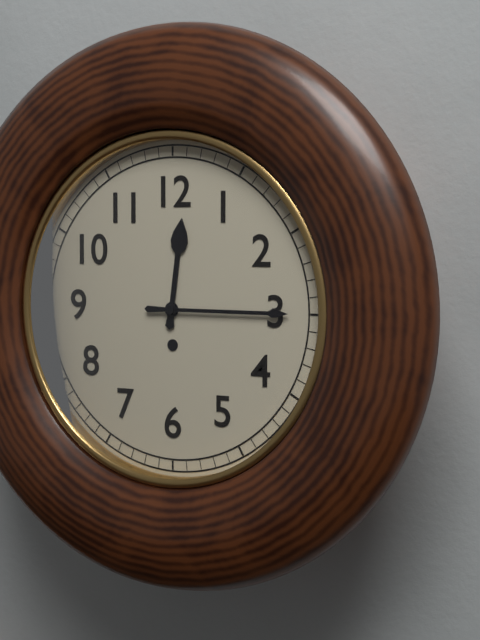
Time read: 12:15
